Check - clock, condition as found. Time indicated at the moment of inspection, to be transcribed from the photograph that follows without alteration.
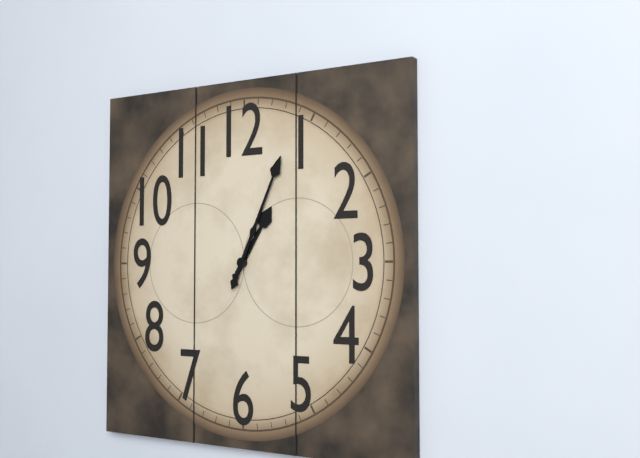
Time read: 1:04
